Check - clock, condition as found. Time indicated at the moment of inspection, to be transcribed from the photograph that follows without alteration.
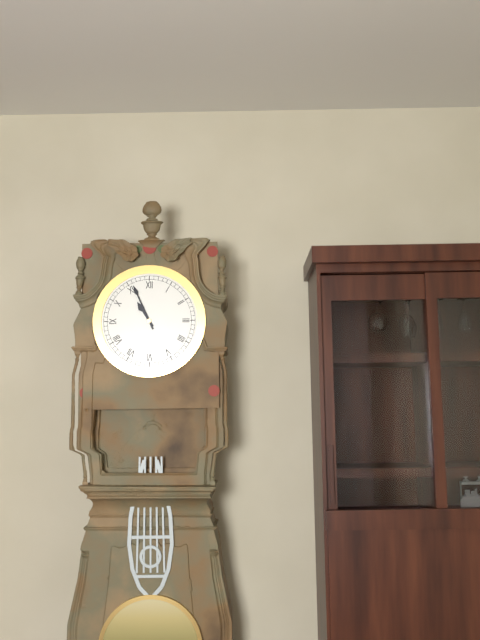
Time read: 10:56
